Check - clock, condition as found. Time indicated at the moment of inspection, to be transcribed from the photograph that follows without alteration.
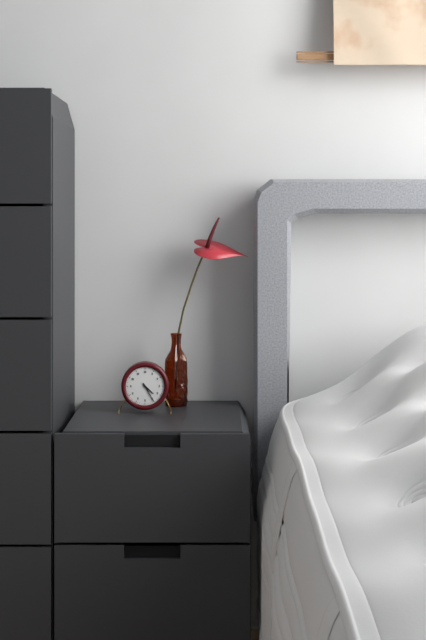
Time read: 4:25
